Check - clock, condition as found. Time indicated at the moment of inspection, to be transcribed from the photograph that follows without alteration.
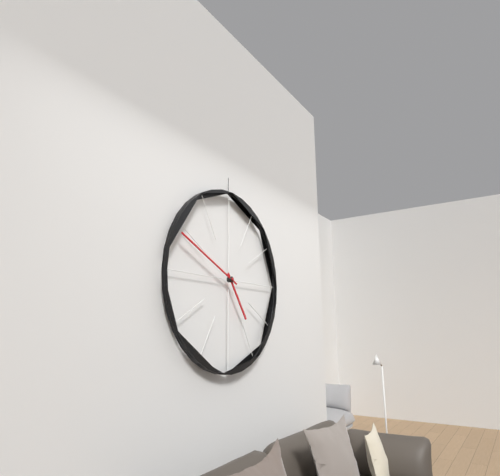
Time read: 4:49
